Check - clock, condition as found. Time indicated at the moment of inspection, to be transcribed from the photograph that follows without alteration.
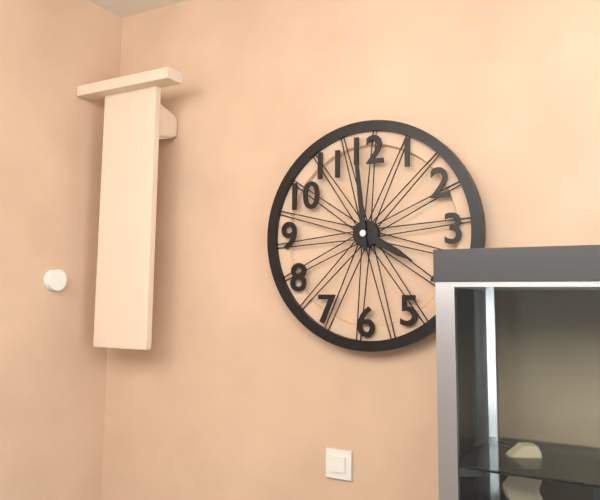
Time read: 3:59
